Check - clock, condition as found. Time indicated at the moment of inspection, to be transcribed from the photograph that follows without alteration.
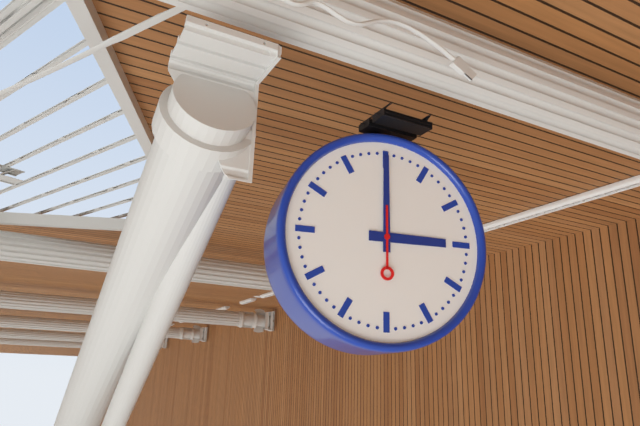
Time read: 3:00:30
